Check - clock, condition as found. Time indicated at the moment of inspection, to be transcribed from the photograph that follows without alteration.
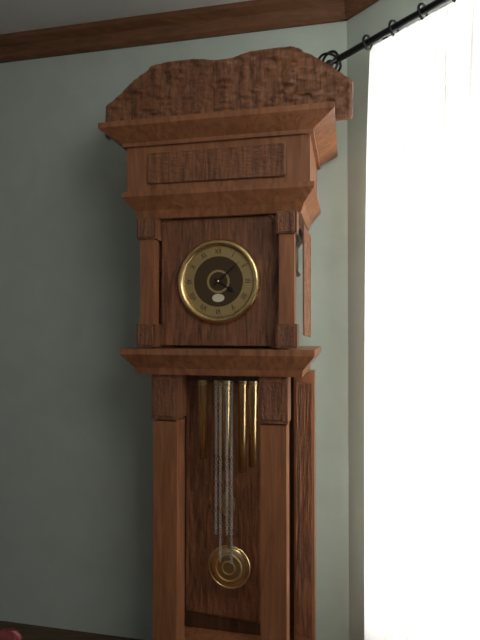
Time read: 4:08
